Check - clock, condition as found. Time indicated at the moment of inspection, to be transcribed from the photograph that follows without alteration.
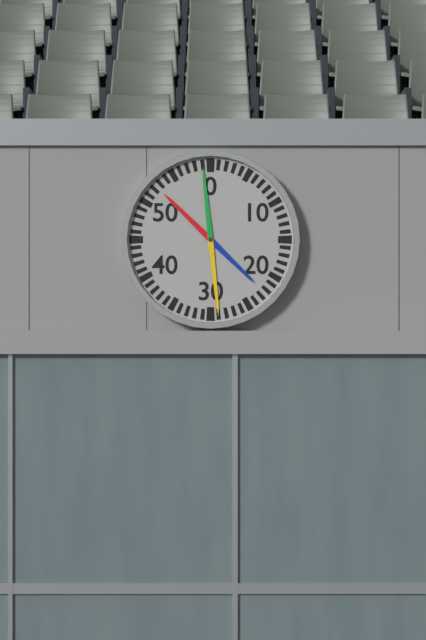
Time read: 10:29
